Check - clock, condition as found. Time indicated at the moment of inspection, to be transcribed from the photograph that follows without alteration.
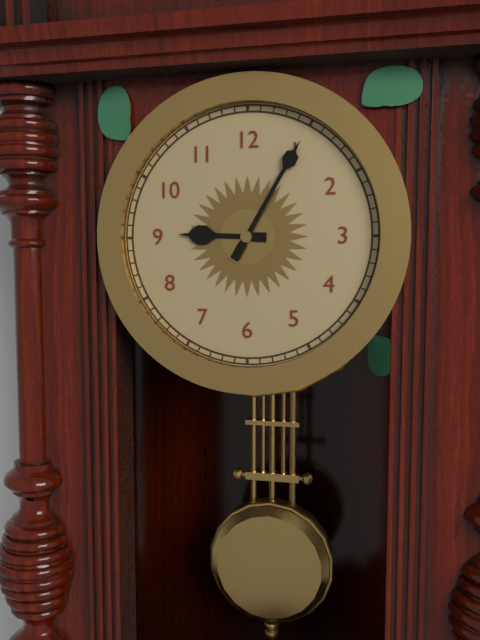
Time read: 9:05
